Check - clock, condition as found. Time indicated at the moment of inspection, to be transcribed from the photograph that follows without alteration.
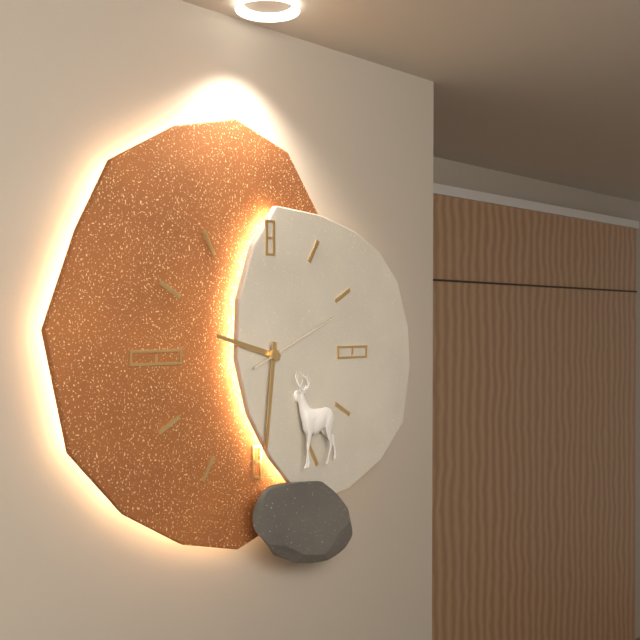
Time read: 9:31:11
